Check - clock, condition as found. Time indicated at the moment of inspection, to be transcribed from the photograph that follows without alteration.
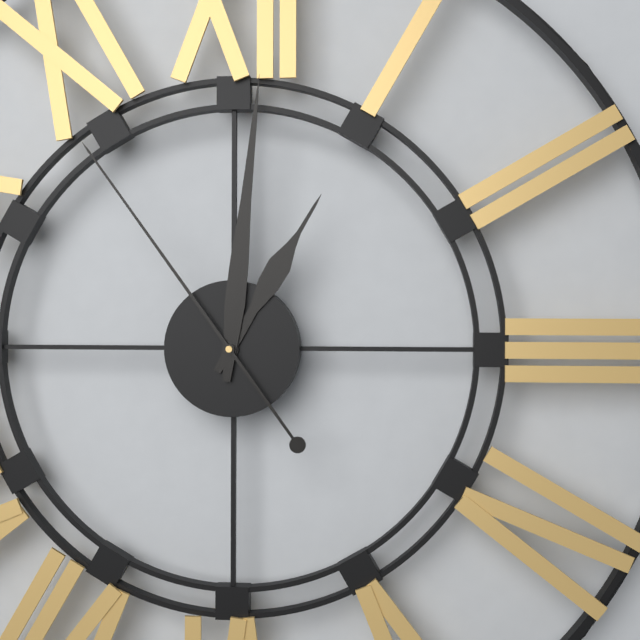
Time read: 1:01:54
